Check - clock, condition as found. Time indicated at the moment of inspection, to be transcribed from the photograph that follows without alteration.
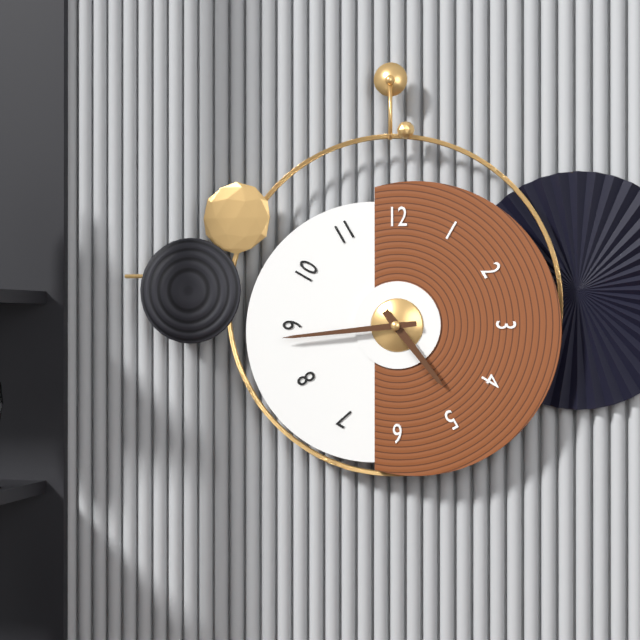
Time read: 4:44
